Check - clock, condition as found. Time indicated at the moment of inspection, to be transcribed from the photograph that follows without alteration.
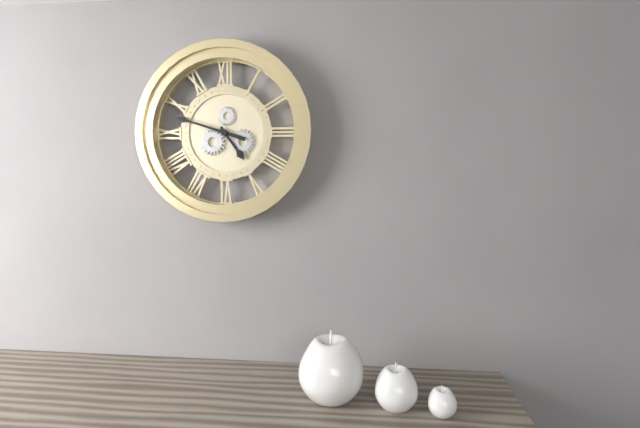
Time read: 4:48
